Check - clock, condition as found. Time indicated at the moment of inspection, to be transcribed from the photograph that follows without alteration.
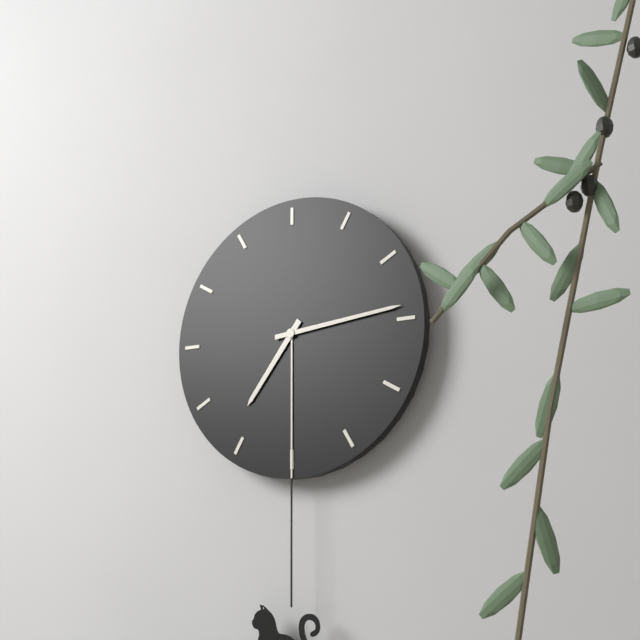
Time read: 7:14
